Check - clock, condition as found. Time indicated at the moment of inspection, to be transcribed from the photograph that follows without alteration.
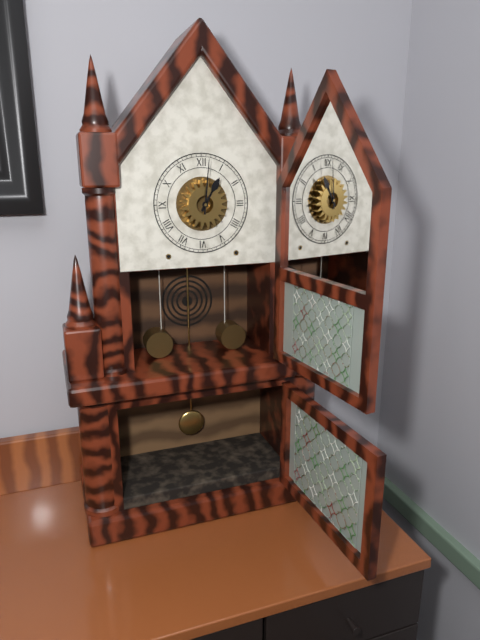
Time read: 1:01
